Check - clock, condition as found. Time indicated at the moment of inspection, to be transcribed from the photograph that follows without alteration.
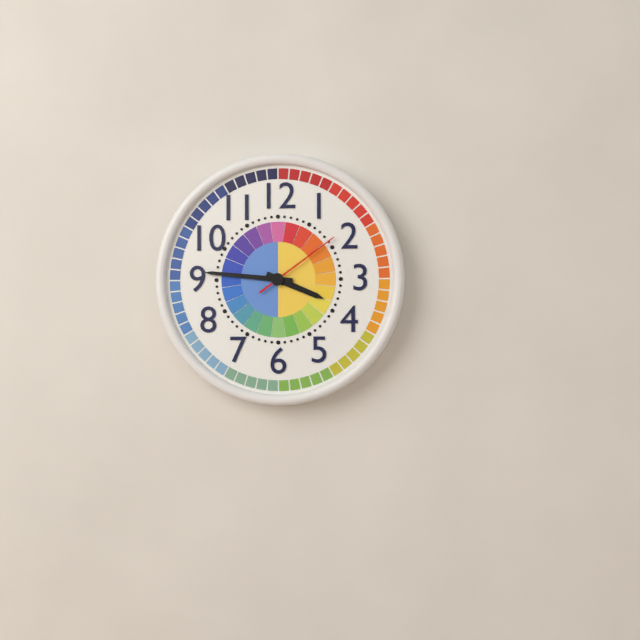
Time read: 3:46:09
